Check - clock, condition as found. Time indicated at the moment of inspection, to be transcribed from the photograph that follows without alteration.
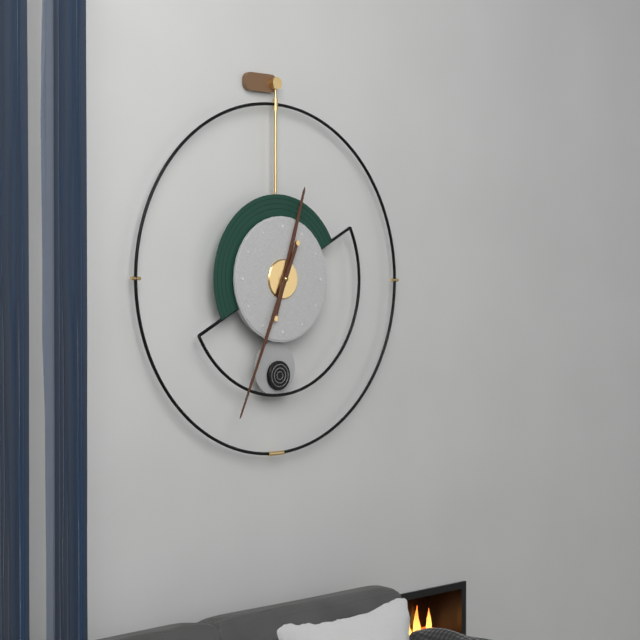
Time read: 12:34
